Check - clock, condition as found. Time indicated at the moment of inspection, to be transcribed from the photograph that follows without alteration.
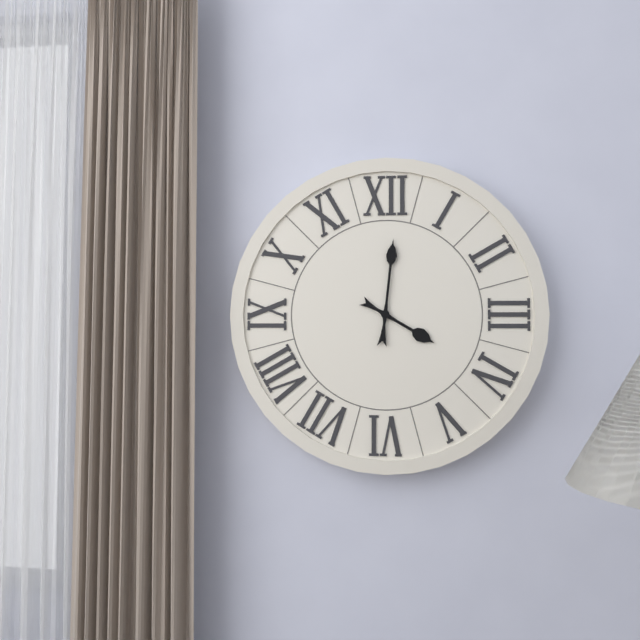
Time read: 4:01
